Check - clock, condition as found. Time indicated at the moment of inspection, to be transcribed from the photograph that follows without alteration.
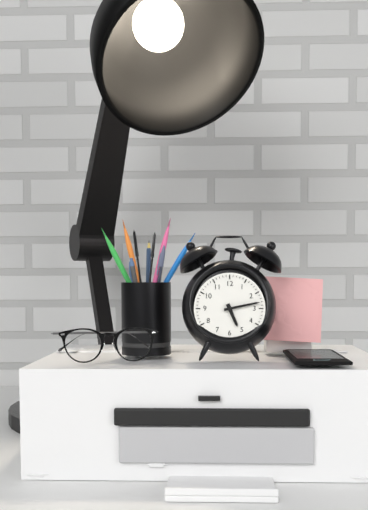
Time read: 5:13
